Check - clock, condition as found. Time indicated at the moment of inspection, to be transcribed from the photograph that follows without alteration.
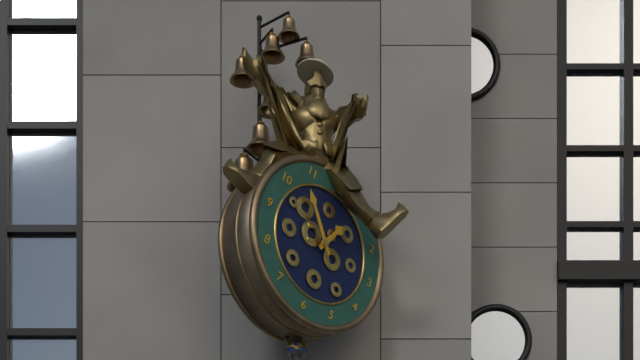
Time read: 12:53
